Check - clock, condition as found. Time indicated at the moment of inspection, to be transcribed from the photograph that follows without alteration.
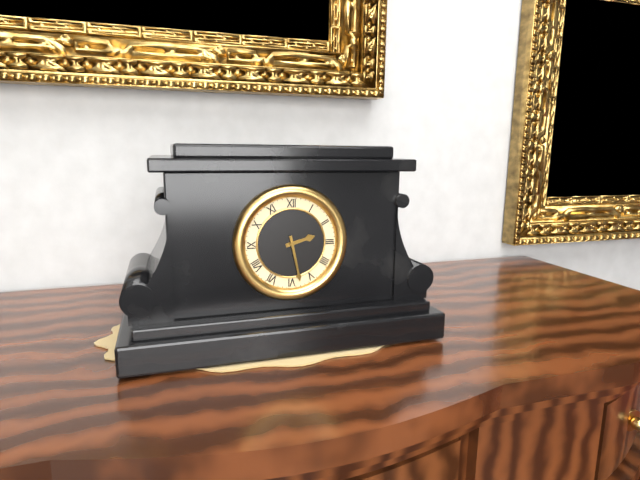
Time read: 2:28
